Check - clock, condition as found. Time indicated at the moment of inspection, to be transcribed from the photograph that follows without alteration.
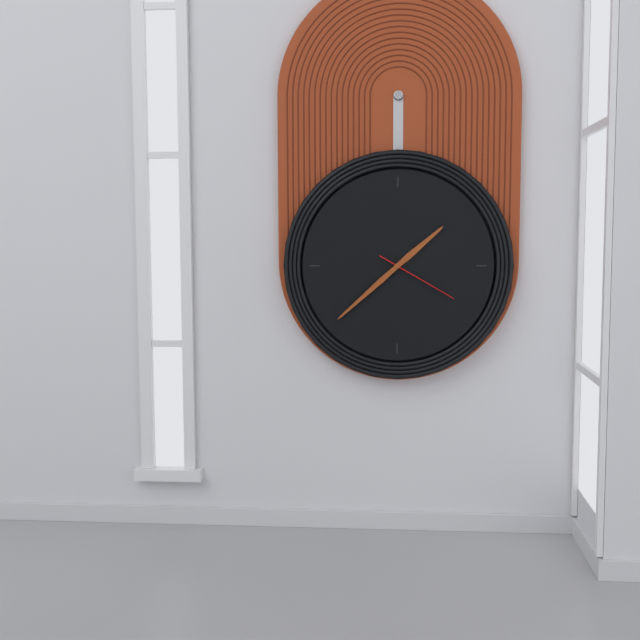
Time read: 1:38:20
